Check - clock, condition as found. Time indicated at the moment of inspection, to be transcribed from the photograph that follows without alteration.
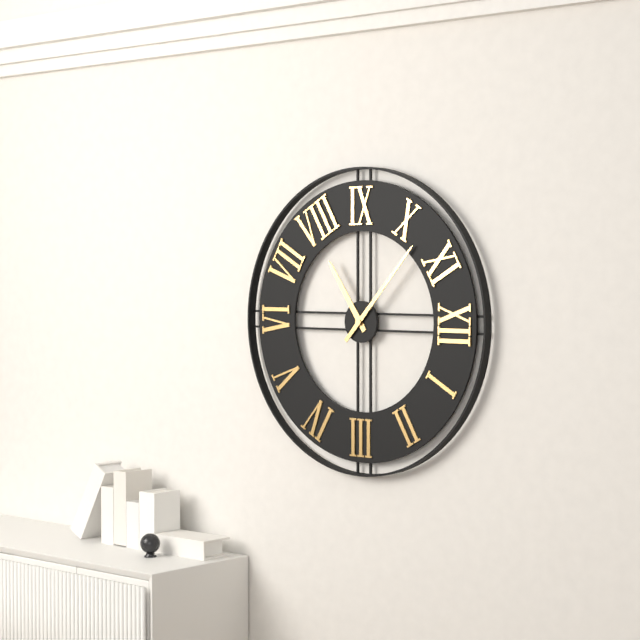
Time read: 7:52
